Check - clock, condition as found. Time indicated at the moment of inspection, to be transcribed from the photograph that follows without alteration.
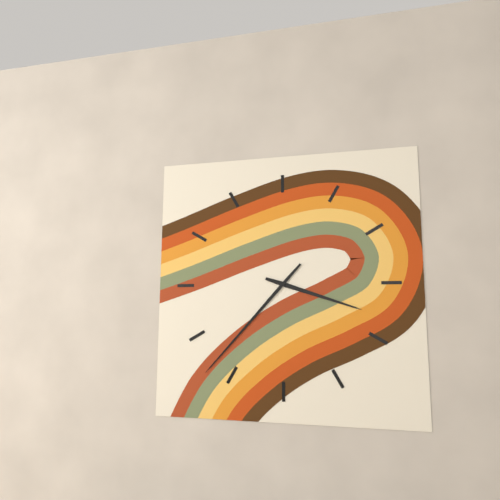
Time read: 3:37
